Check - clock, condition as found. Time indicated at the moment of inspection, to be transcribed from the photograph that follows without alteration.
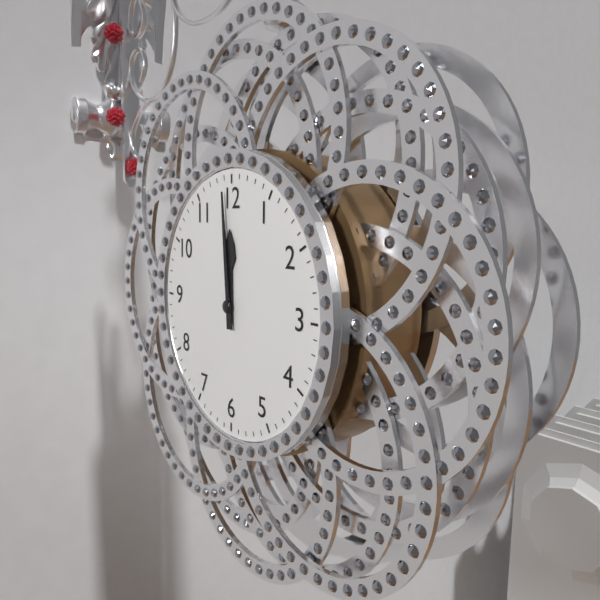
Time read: 11:59
